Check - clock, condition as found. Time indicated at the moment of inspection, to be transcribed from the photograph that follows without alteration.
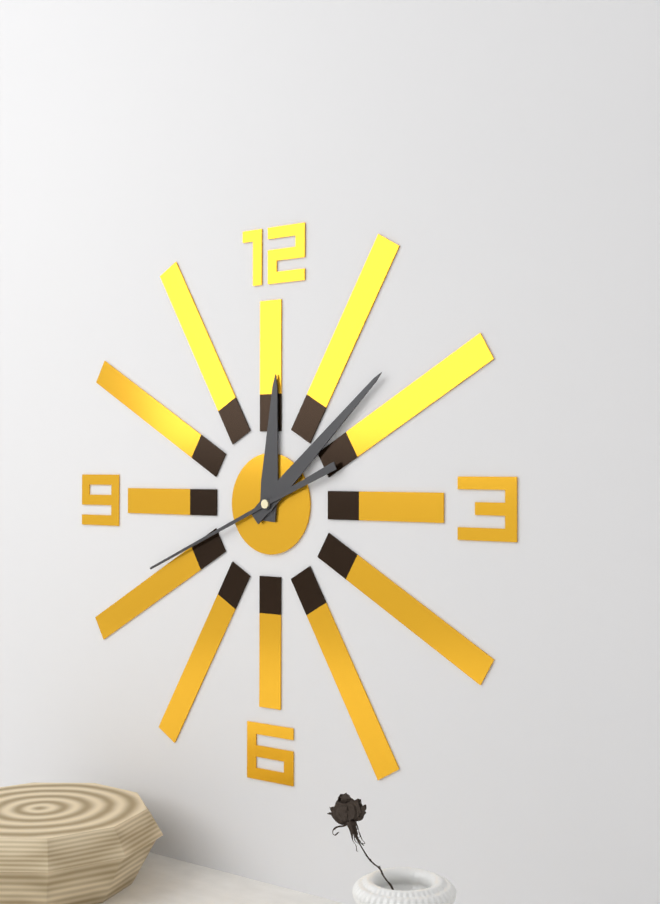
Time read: 12:08:41
